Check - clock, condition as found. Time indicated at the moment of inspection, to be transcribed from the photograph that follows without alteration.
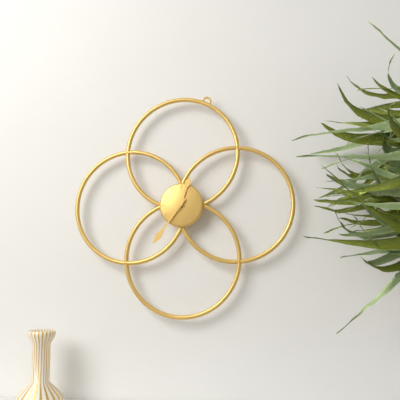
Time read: 12:36
